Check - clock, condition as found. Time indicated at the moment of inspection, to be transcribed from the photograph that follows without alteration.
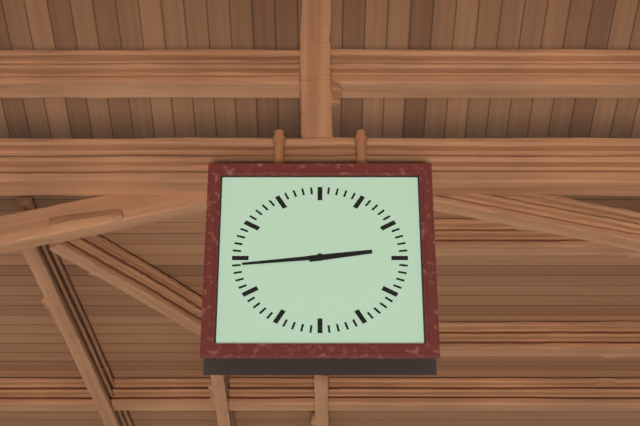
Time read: 2:44
